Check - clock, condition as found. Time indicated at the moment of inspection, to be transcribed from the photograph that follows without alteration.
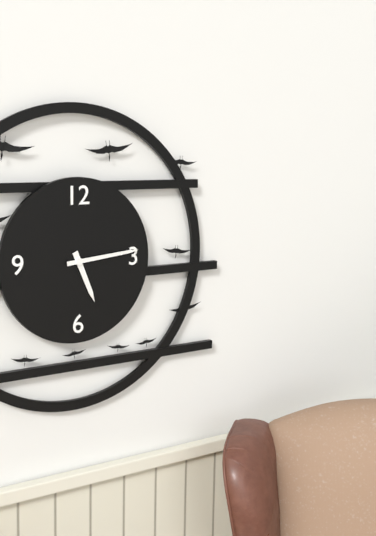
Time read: 5:14
